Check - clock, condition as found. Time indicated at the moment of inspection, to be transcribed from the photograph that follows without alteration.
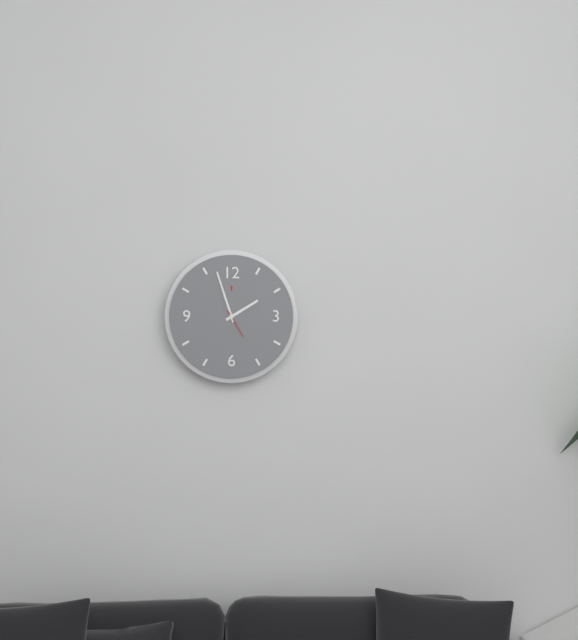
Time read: 1:57
